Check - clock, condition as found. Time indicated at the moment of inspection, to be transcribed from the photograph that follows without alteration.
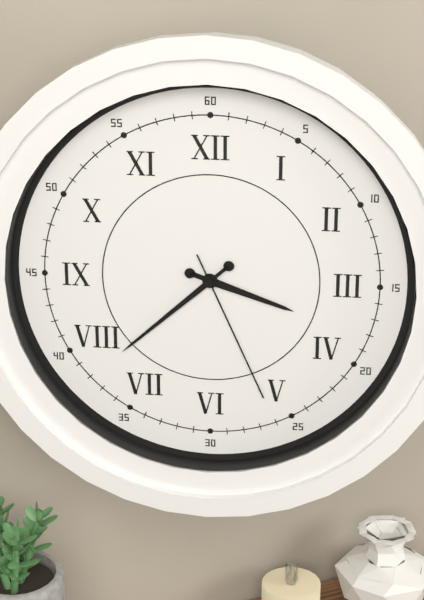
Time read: 3:38:26
